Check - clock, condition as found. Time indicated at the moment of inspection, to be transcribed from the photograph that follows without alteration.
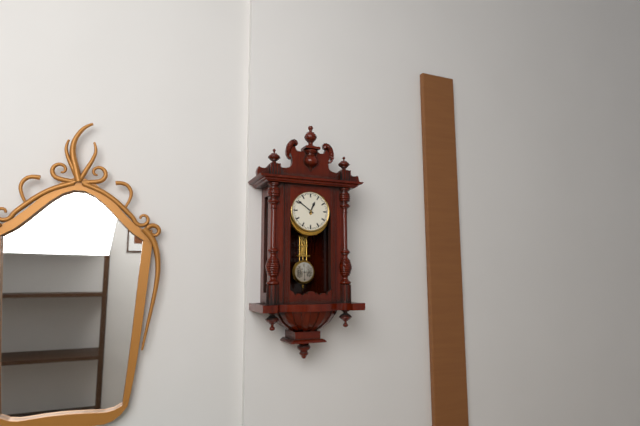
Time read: 12:51
